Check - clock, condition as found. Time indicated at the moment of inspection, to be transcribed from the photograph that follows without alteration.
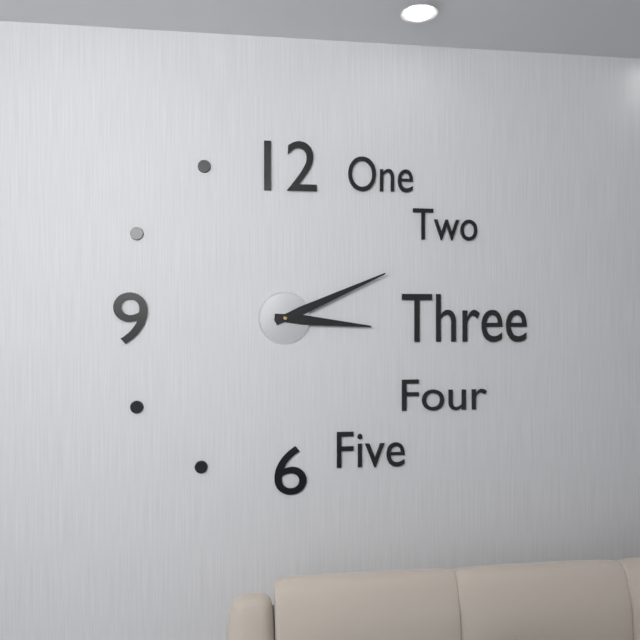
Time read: 3:11
